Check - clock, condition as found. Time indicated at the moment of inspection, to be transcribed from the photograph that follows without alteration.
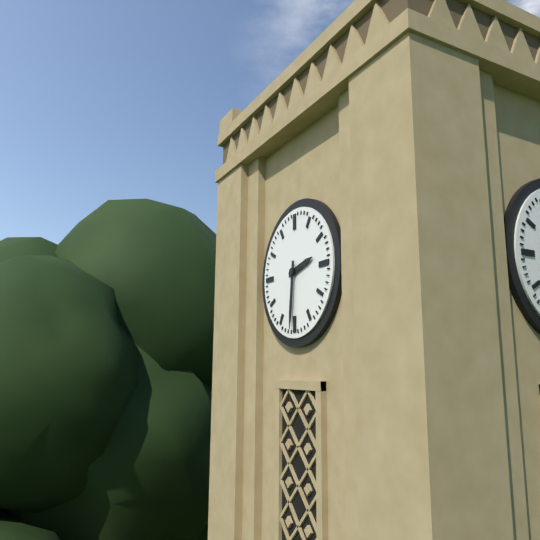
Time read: 2:31
